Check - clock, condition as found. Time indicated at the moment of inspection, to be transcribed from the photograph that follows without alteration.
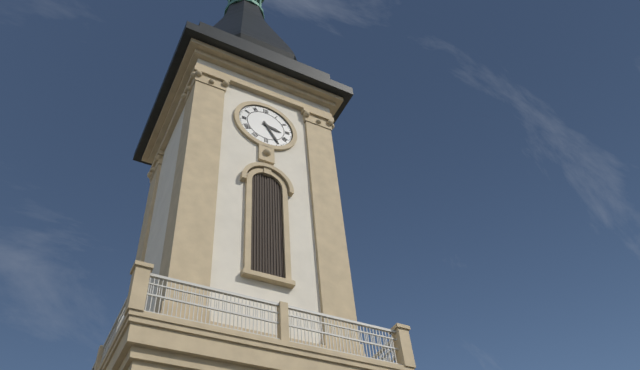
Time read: 3:25
